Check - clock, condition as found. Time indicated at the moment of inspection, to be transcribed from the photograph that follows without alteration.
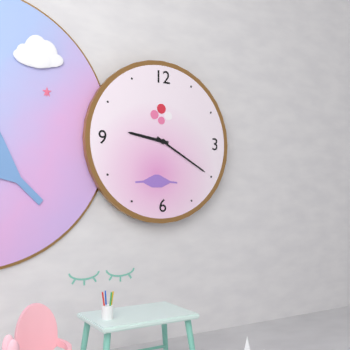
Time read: 9:20
